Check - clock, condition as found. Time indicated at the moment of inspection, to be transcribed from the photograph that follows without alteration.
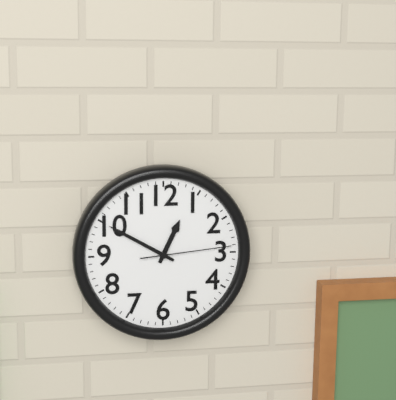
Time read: 12:50:14
